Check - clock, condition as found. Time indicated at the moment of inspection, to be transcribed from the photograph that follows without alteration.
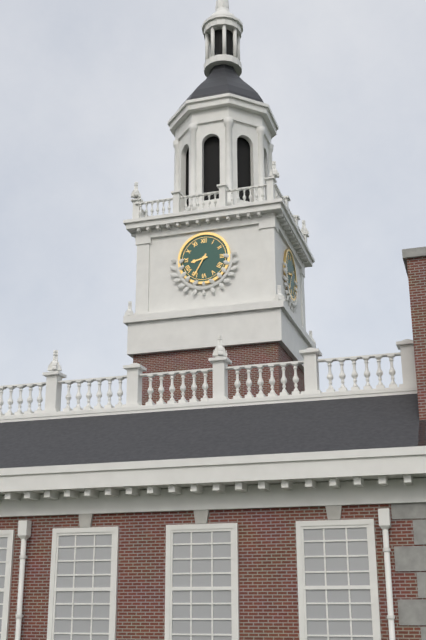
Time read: 8:35
